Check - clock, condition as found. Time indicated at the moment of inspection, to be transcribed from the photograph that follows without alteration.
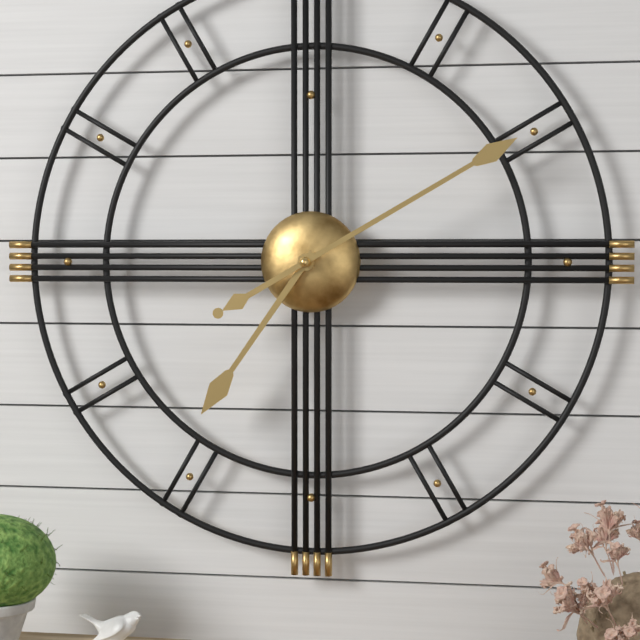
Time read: 7:10
